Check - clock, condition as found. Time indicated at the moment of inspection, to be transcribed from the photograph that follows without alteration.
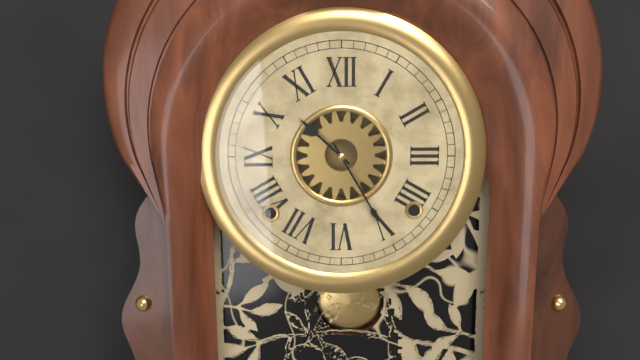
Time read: 10:25
